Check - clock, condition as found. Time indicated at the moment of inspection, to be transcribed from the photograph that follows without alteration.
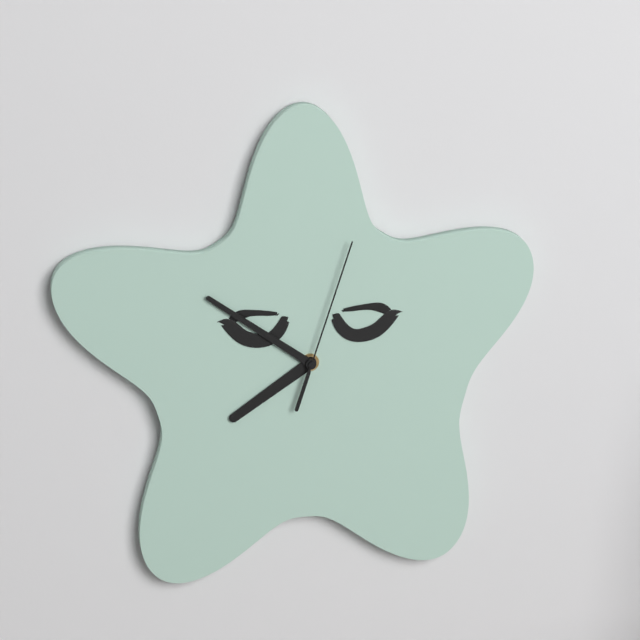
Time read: 7:51:03
